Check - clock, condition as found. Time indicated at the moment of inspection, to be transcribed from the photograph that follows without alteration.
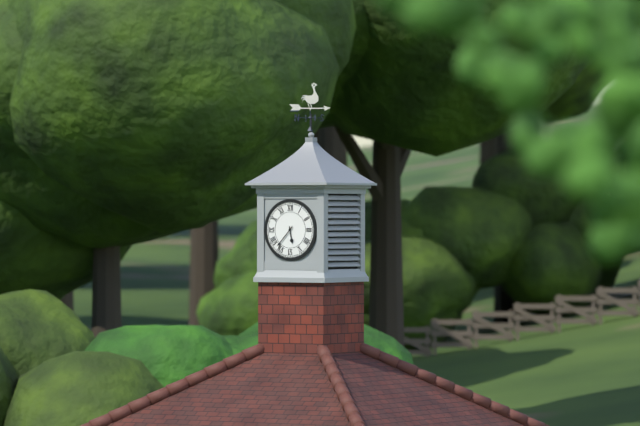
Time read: 5:37
